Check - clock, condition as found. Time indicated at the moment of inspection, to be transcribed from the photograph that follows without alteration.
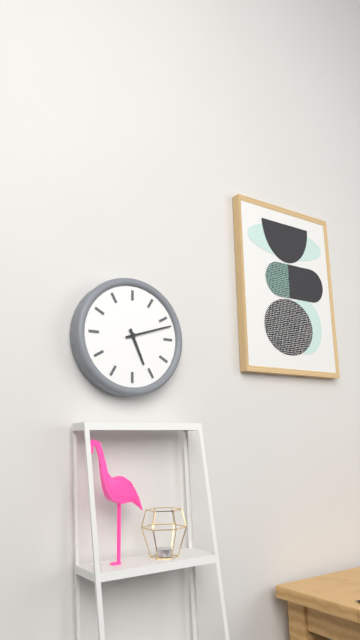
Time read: 5:12
